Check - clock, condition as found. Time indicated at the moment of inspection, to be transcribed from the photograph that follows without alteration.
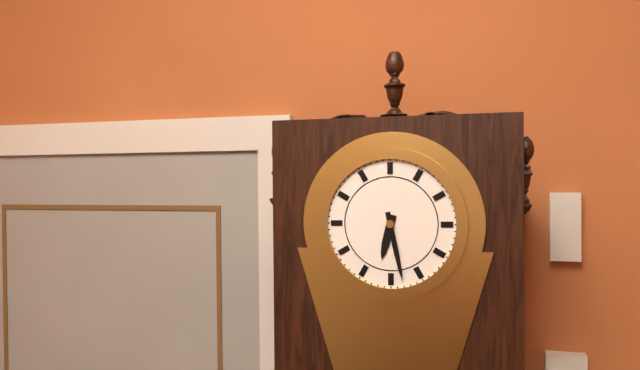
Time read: 6:28
